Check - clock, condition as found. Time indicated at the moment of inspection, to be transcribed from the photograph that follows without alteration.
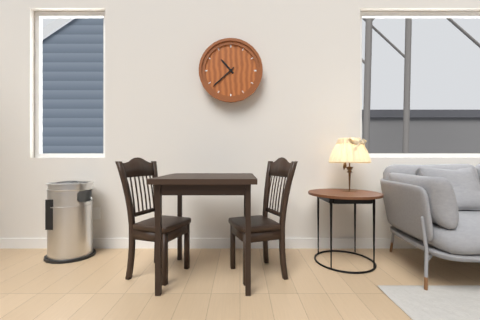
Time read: 10:38
